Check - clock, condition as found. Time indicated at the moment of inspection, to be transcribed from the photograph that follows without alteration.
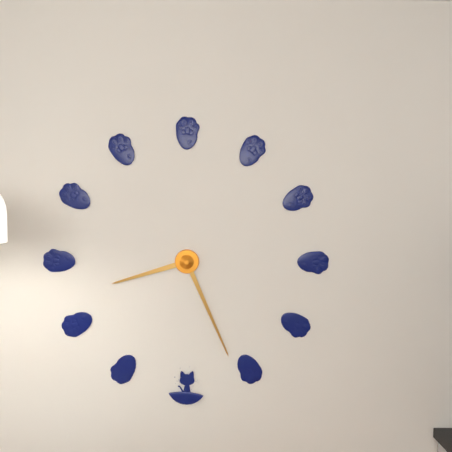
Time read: 8:26
